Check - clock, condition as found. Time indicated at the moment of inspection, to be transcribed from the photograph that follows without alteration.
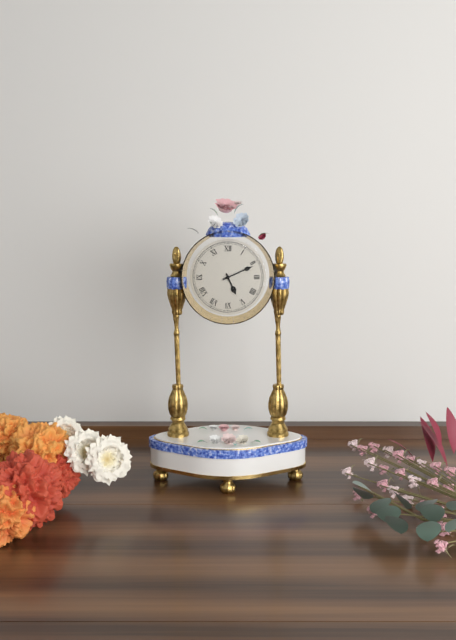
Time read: 5:11
